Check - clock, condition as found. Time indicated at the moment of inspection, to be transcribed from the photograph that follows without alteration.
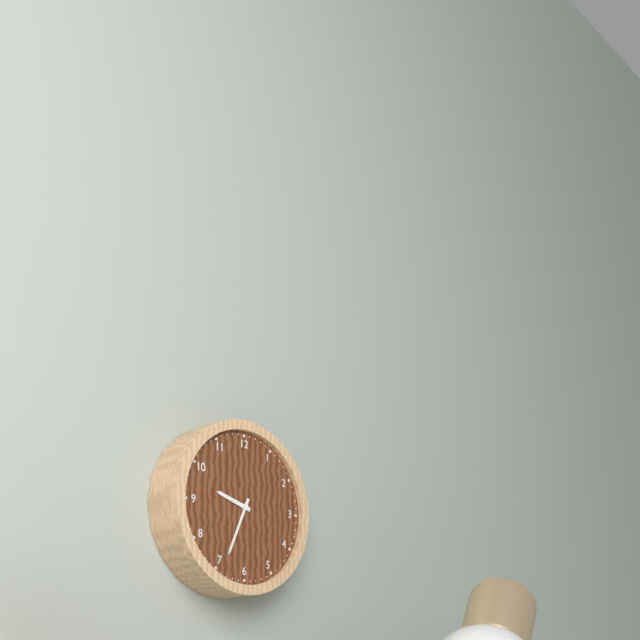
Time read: 9:34
